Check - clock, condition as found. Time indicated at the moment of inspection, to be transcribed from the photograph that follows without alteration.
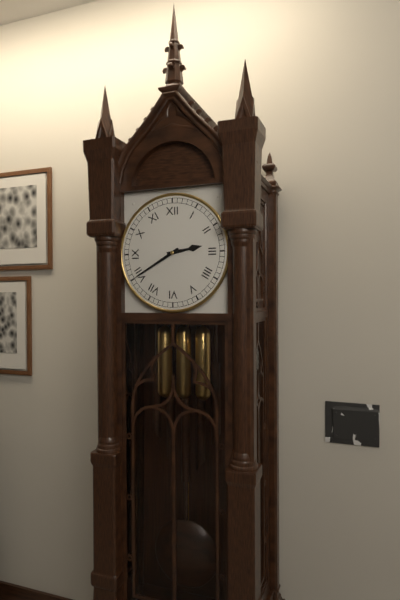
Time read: 2:40
